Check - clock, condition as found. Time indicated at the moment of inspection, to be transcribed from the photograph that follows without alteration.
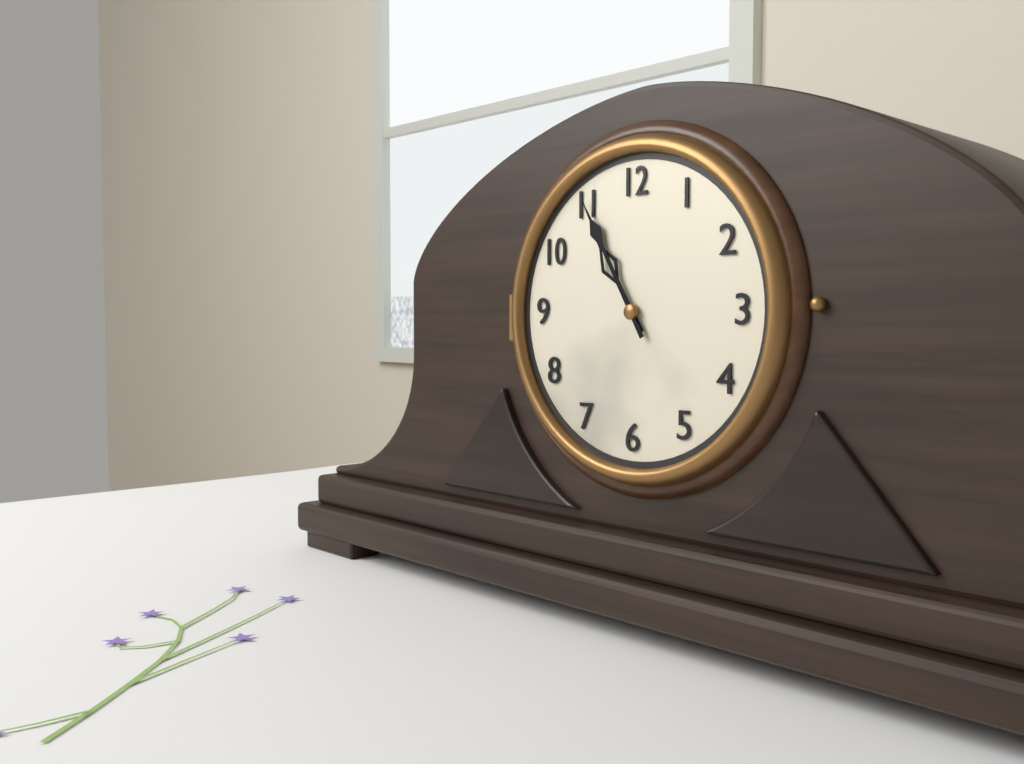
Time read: 10:55
